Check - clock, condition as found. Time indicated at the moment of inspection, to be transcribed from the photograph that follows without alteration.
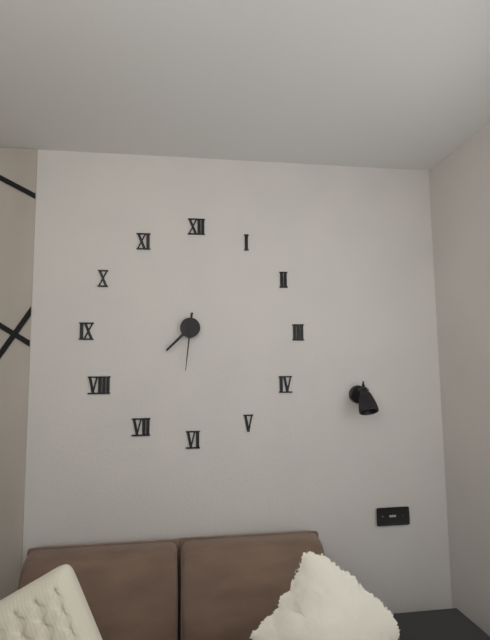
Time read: 7:31
